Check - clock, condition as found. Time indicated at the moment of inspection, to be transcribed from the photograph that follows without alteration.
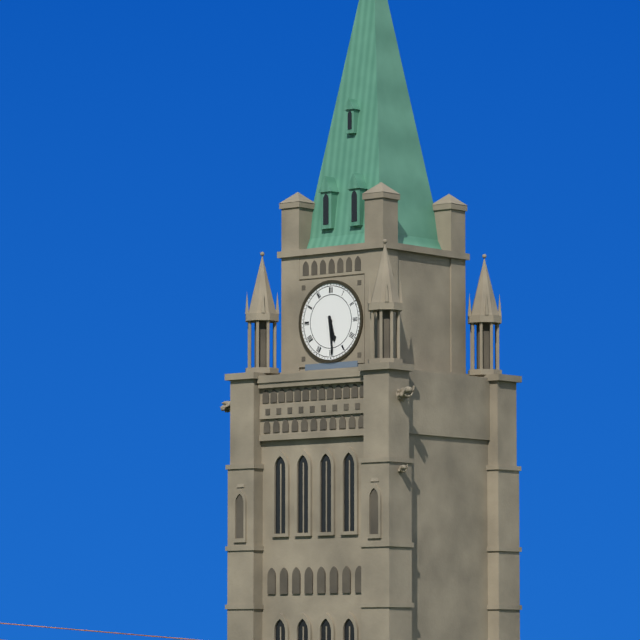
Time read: 5:29
